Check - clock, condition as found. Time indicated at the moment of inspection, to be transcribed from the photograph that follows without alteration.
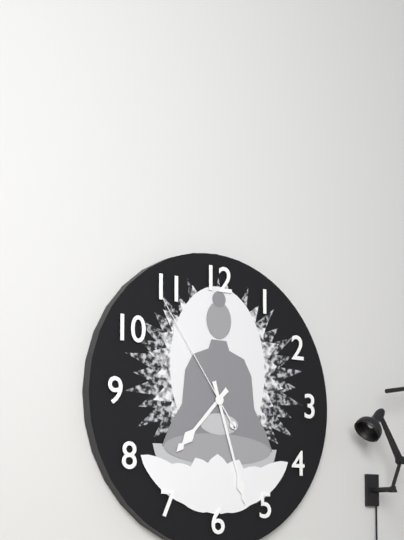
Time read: 7:27:54
